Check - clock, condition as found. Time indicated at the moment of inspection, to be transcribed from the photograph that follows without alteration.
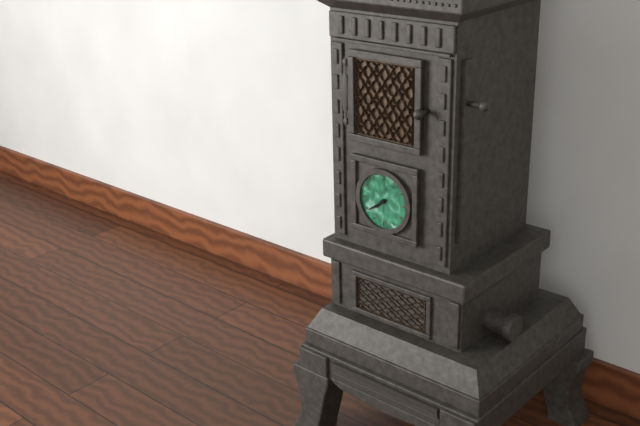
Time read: 7:39
